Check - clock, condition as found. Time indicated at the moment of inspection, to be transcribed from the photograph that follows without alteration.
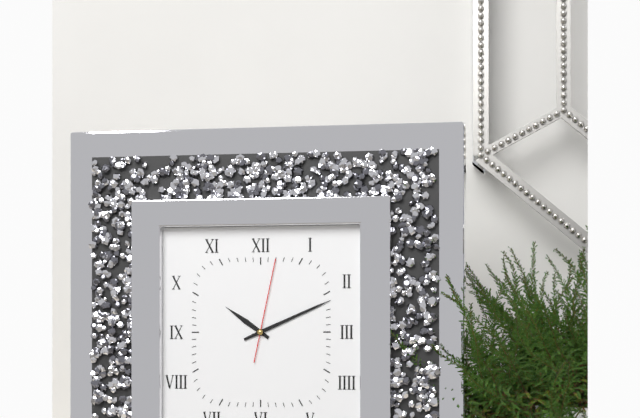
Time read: 10:11:02
